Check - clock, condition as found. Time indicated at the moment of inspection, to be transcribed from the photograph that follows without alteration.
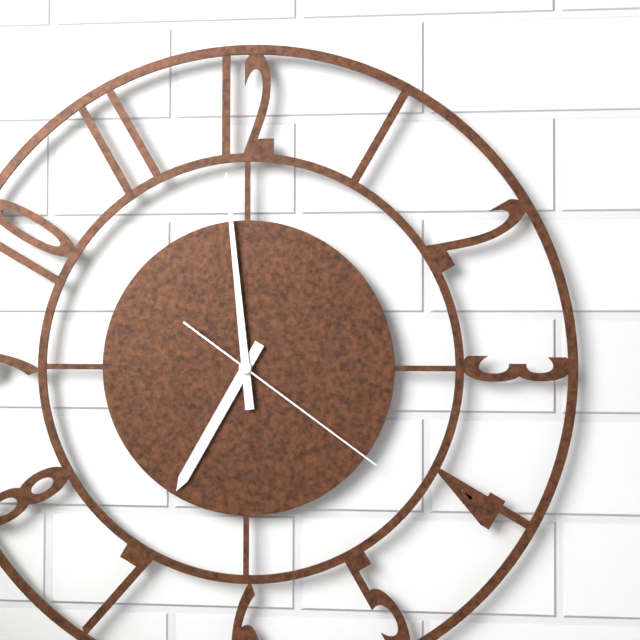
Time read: 6:59:21
